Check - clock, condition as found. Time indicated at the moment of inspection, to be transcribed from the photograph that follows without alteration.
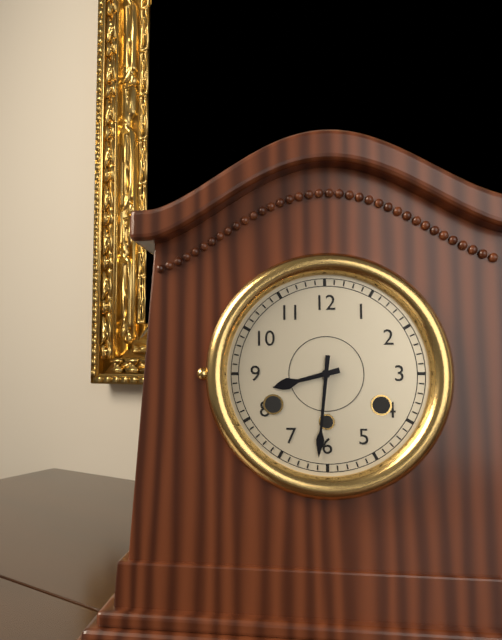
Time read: 8:31
